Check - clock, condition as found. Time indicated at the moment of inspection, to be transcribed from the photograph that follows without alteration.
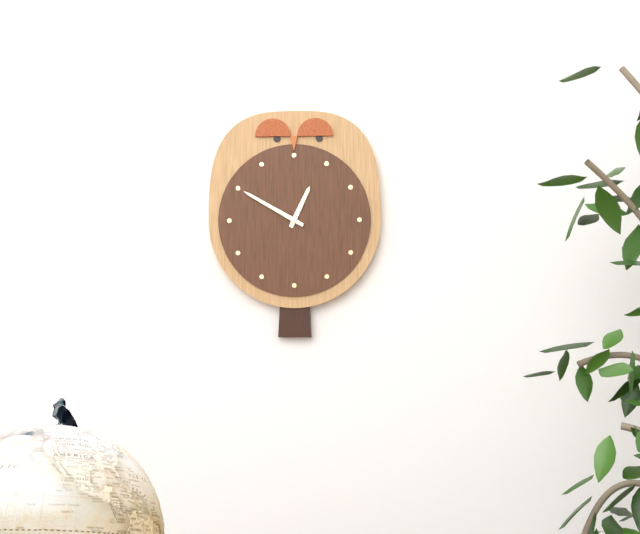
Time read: 12:50
